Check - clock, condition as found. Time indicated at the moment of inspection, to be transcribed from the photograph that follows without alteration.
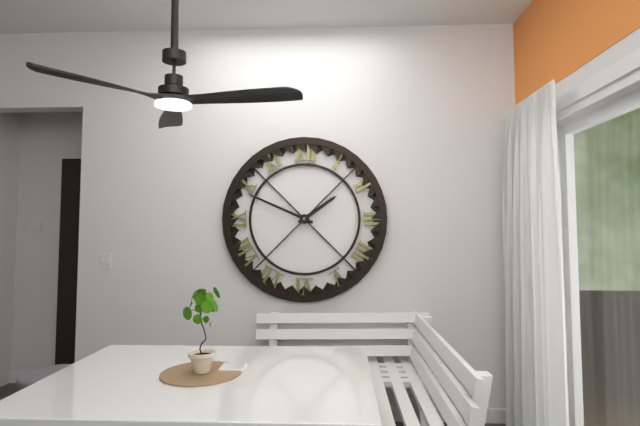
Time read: 1:49
